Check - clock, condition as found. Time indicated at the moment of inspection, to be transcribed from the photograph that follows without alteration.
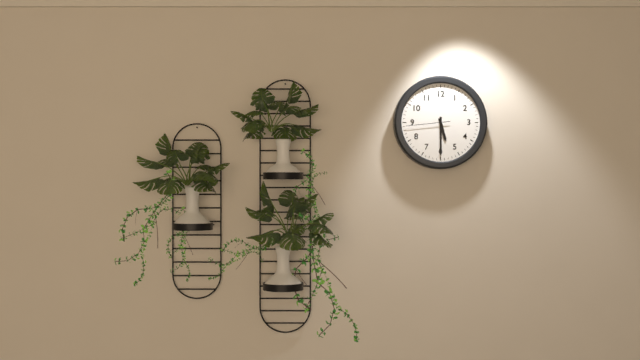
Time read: 5:30
